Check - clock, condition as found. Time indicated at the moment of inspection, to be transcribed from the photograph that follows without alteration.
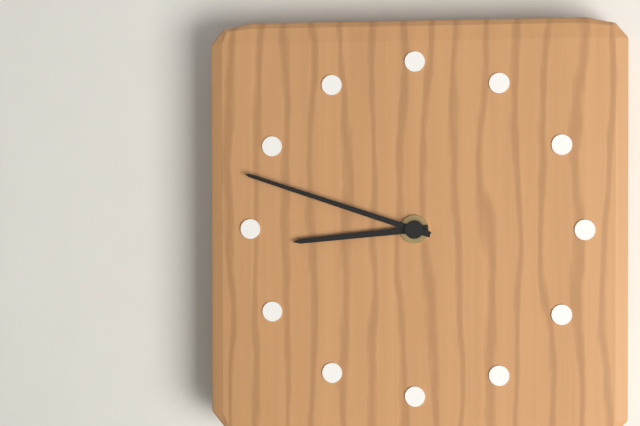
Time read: 8:48
